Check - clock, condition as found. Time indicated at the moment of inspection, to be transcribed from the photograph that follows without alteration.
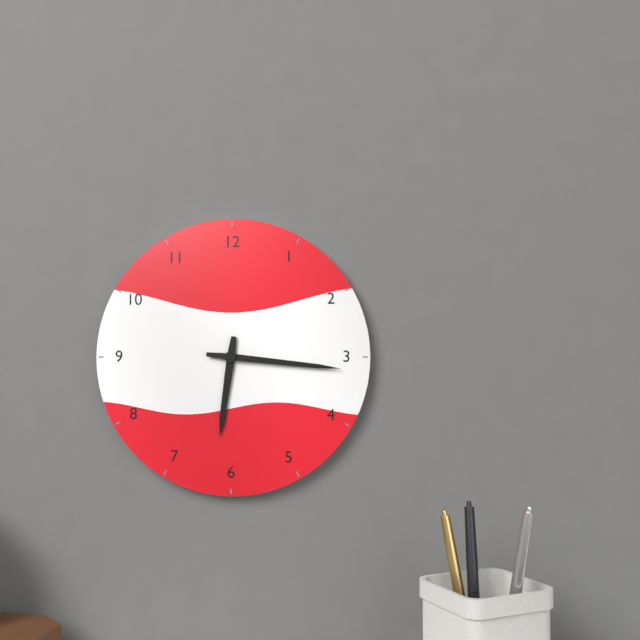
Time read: 6:16
